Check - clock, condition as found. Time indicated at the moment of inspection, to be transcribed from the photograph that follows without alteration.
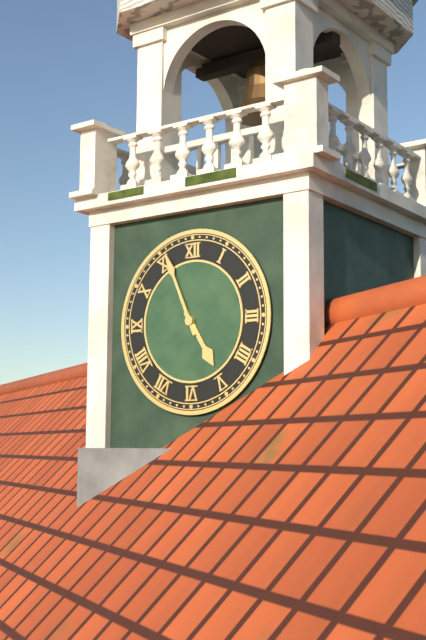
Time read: 4:56
